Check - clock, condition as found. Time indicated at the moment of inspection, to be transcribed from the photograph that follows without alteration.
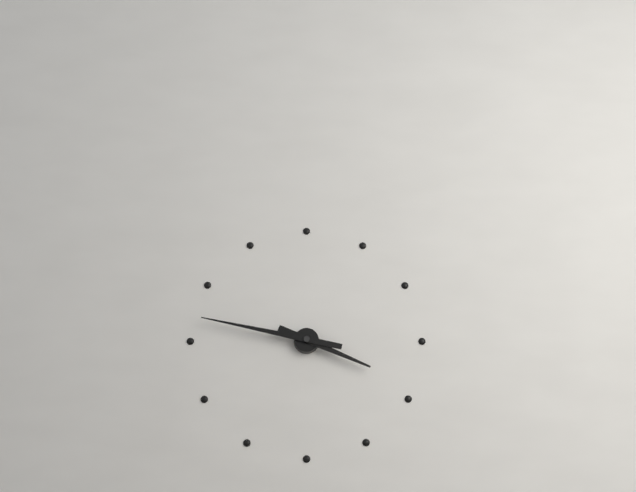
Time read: 3:47
